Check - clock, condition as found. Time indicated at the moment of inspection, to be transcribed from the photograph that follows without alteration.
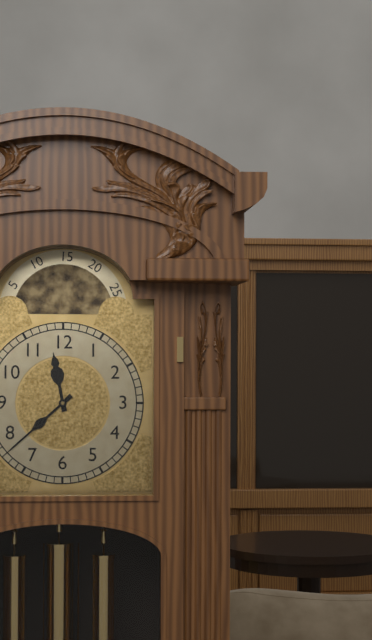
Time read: 11:38
